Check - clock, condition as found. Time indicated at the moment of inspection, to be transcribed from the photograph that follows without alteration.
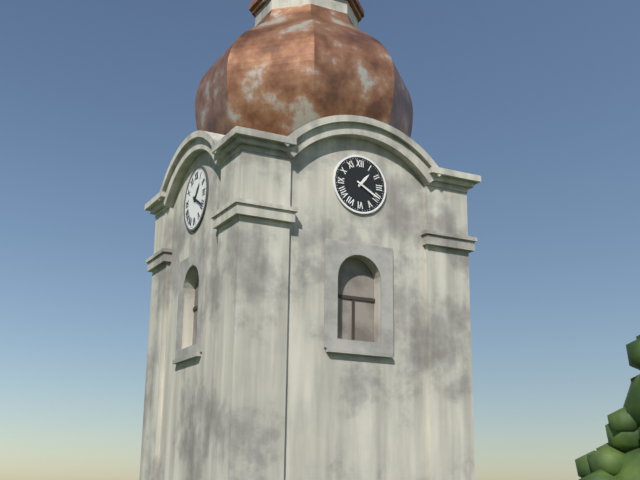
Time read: 1:20
